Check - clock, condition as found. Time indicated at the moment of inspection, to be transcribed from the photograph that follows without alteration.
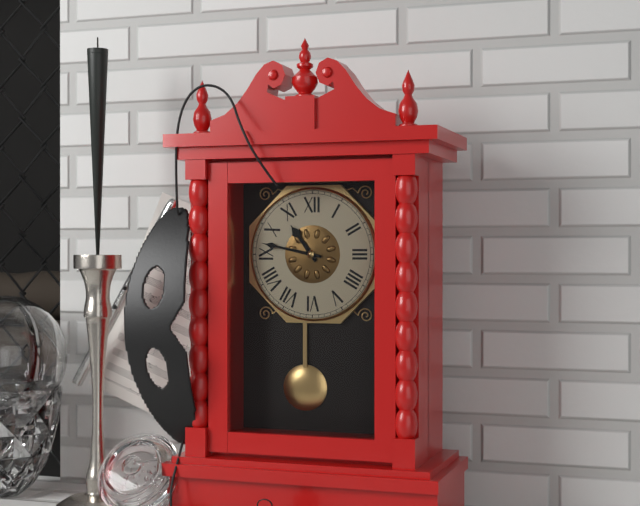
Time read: 10:47
